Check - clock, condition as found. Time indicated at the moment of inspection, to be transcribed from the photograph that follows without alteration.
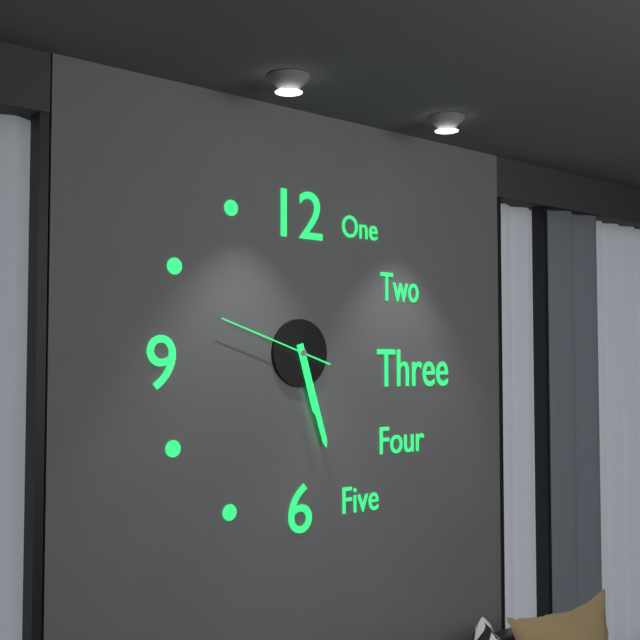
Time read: 5:27:48
